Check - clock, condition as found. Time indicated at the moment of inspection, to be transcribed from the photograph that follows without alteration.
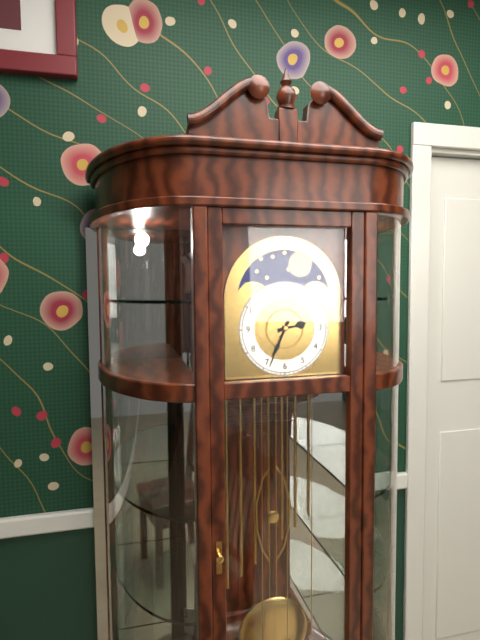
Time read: 2:34
